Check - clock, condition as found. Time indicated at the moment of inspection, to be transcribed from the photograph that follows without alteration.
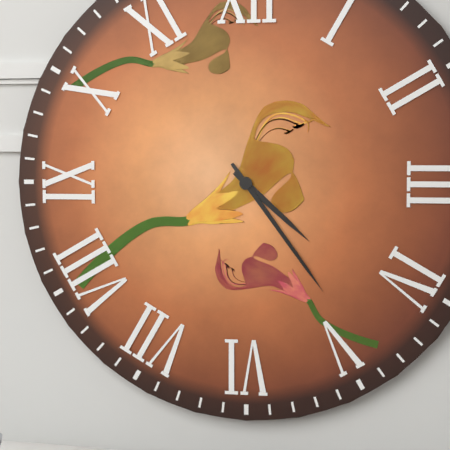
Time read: 4:24
